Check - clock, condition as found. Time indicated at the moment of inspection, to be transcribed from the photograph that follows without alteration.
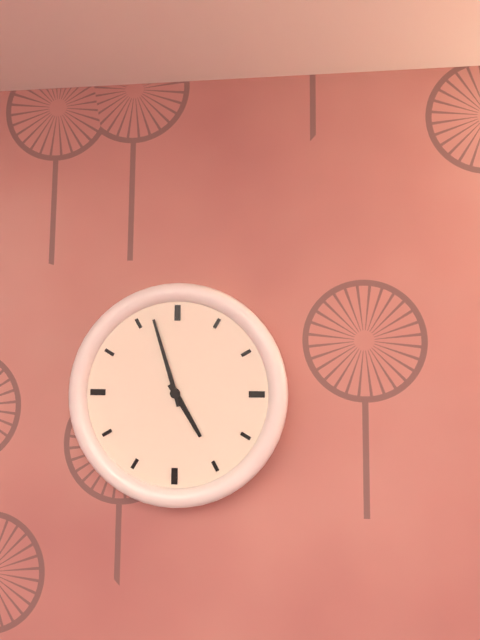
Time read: 4:57
